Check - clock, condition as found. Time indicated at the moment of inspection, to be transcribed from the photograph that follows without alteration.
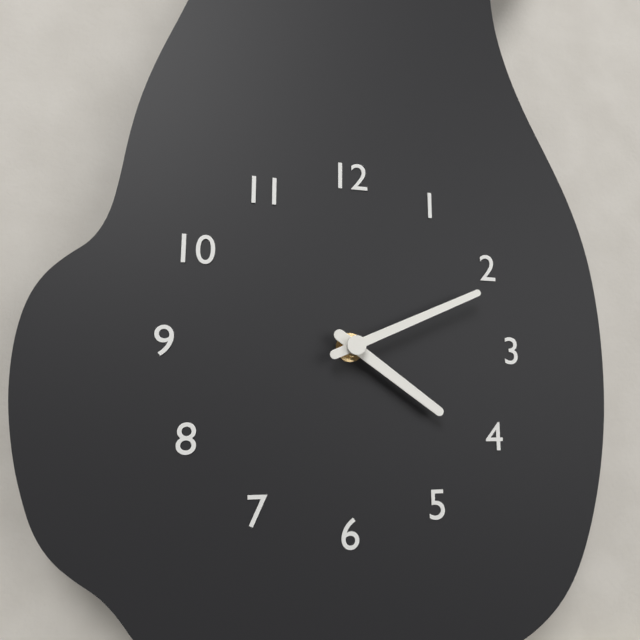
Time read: 4:11
